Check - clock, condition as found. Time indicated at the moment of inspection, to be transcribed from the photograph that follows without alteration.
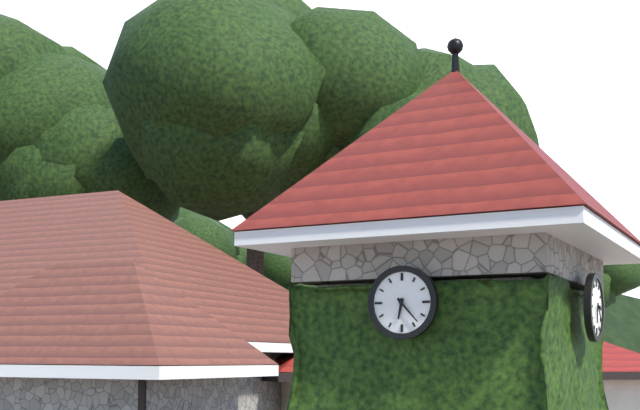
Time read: 6:23
